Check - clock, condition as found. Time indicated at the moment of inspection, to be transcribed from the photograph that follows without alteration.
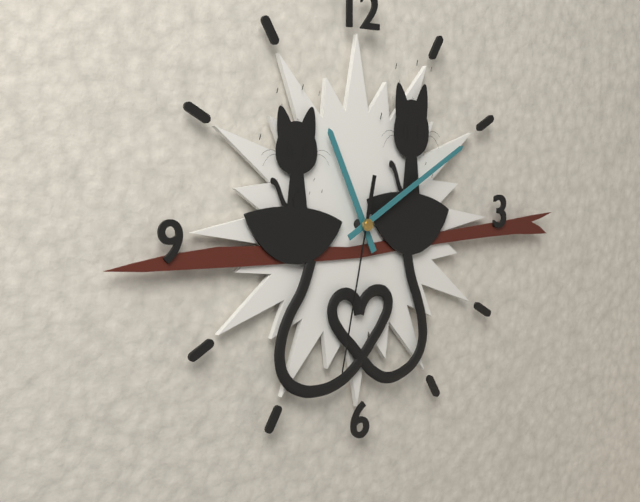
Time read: 11:10:32
